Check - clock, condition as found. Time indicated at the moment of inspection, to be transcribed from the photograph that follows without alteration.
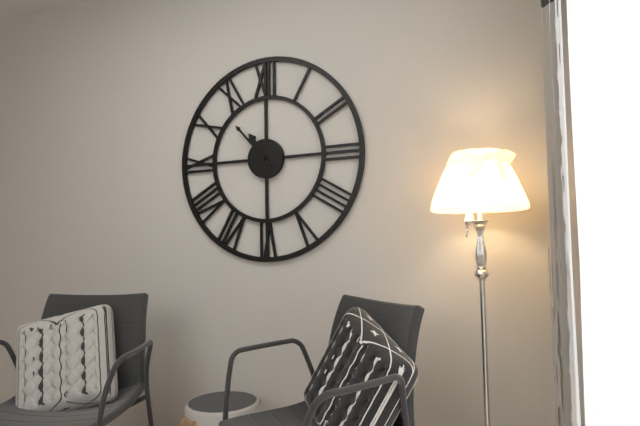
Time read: 10:53
